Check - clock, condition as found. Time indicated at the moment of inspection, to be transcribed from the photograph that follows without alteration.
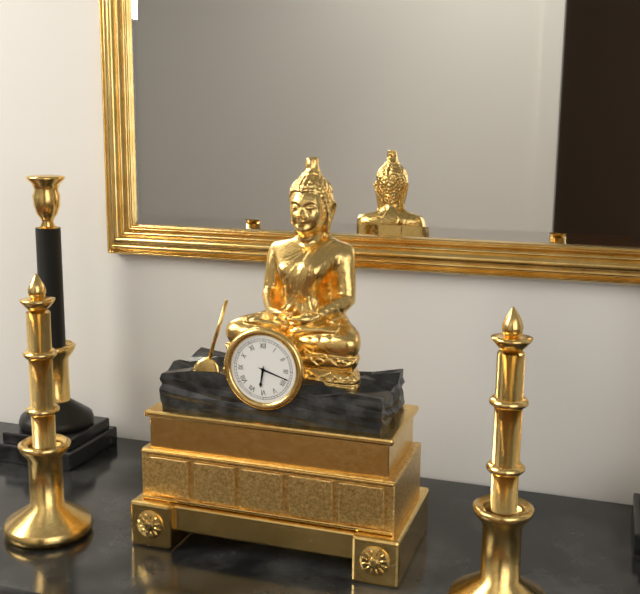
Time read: 6:18
